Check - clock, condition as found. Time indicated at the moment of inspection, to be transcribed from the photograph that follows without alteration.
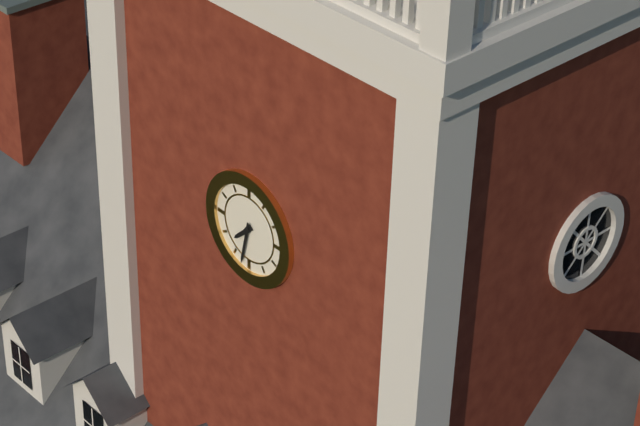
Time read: 7:32
